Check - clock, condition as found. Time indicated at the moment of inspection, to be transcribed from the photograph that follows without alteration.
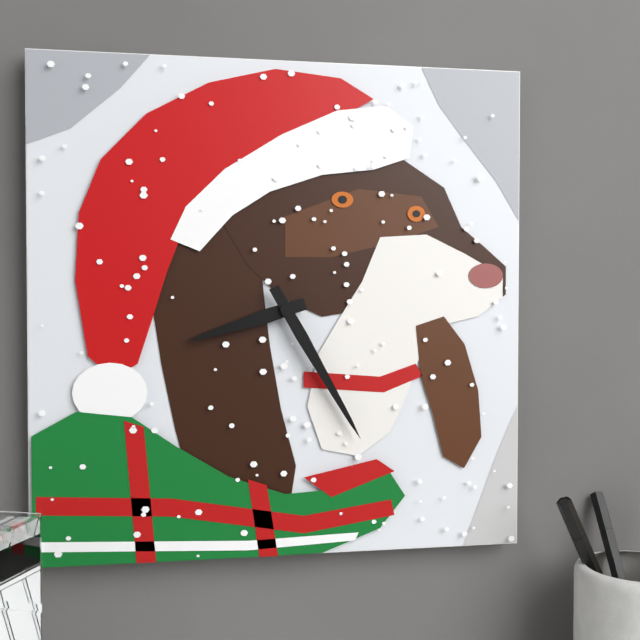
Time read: 8:25
